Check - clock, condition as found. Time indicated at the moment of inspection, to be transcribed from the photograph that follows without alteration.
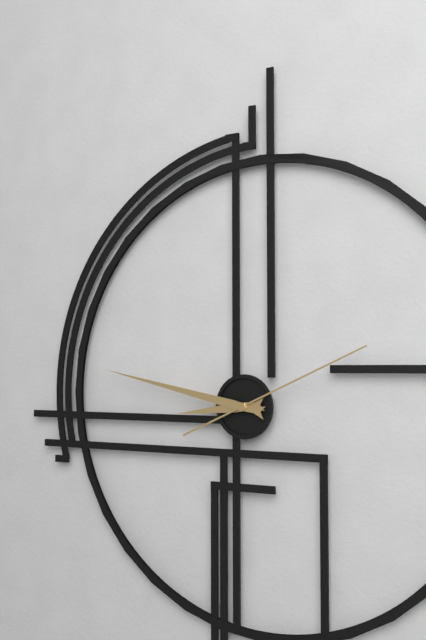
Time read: 8:47:11
